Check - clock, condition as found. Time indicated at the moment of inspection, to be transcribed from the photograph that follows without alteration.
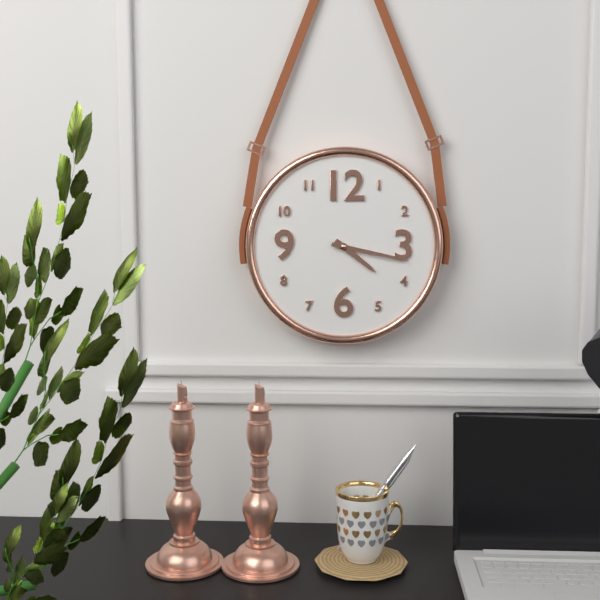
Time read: 4:17
